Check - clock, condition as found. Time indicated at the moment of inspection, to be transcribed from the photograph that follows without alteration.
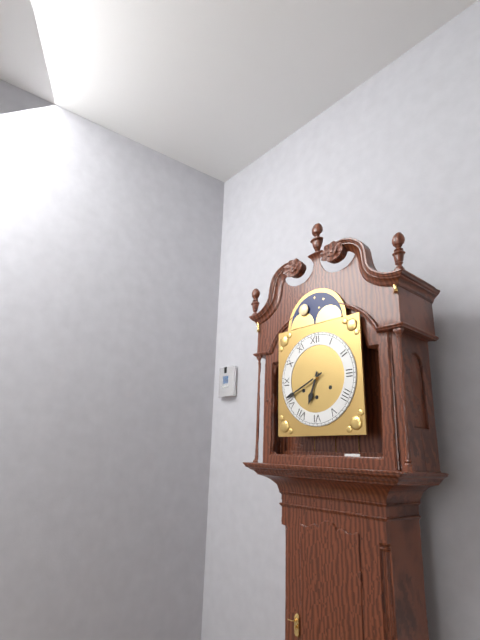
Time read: 6:41
